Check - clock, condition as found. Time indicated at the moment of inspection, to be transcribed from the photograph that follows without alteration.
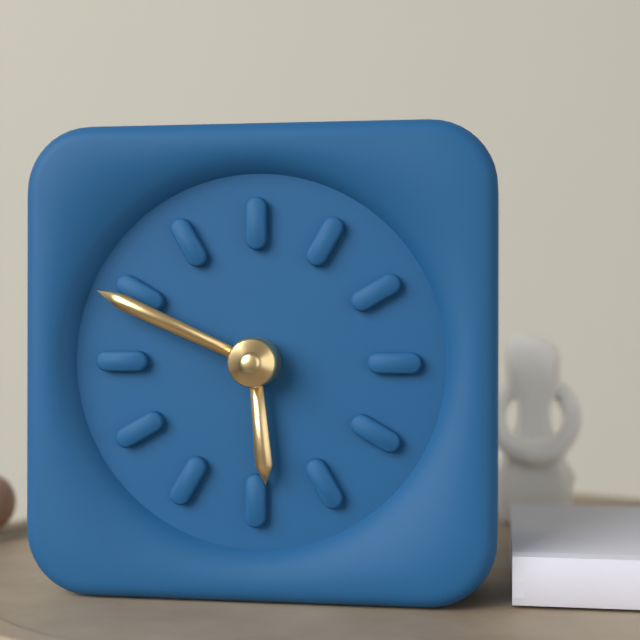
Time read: 5:49
